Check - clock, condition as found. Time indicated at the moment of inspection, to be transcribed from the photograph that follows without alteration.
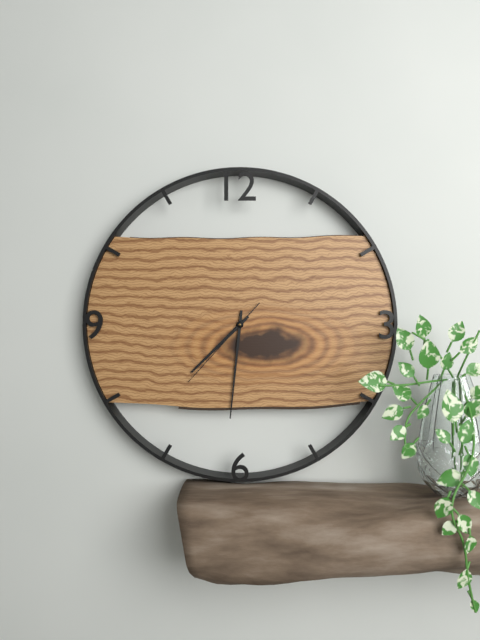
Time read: 7:31:37
